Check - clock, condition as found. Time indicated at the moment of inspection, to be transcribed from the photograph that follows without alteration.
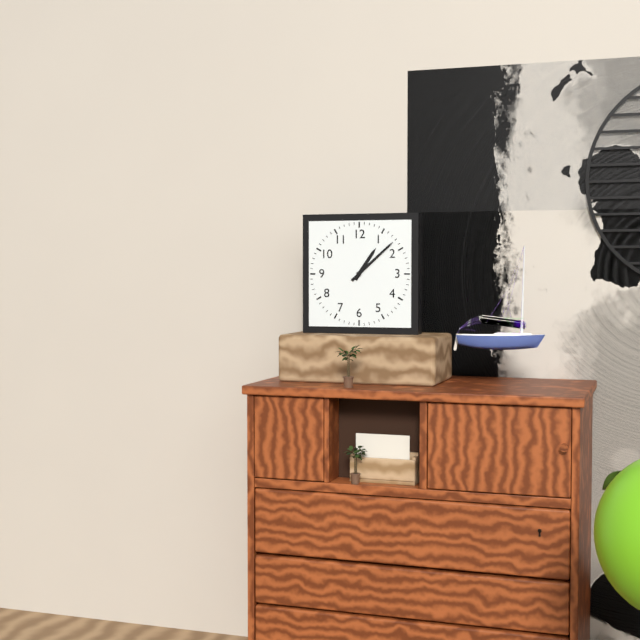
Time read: 1:08
